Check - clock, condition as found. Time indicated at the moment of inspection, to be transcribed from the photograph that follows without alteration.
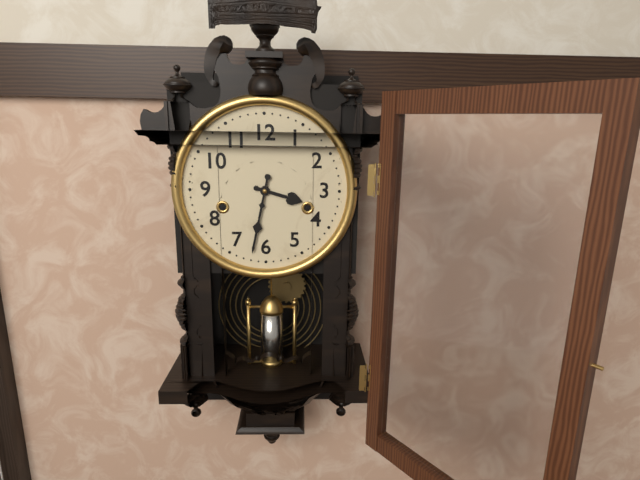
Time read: 3:32
